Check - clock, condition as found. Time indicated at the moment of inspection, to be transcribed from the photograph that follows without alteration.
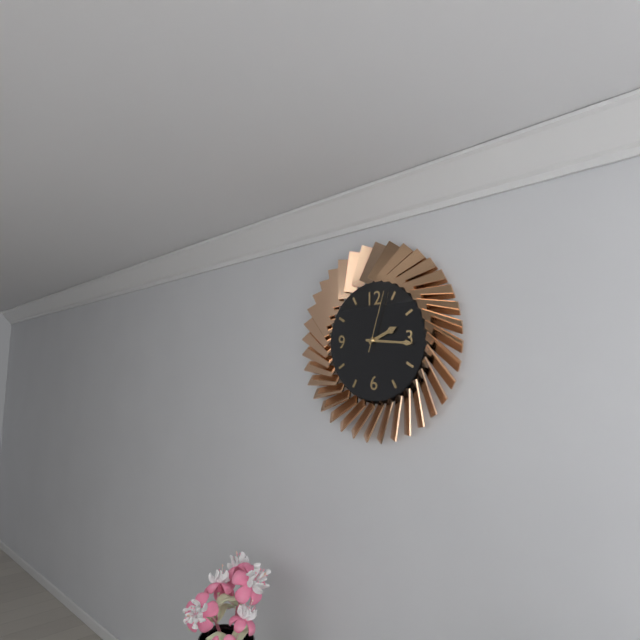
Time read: 2:16:03
